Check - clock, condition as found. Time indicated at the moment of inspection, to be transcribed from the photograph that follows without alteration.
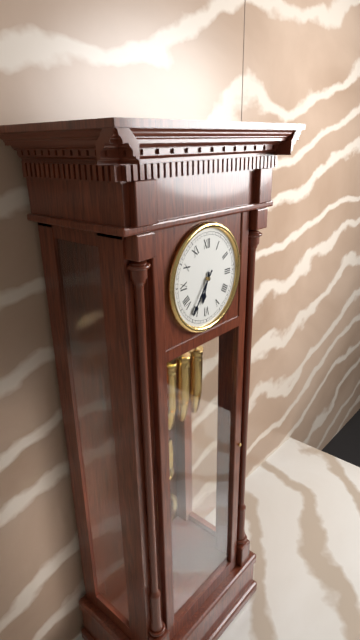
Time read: 6:36
